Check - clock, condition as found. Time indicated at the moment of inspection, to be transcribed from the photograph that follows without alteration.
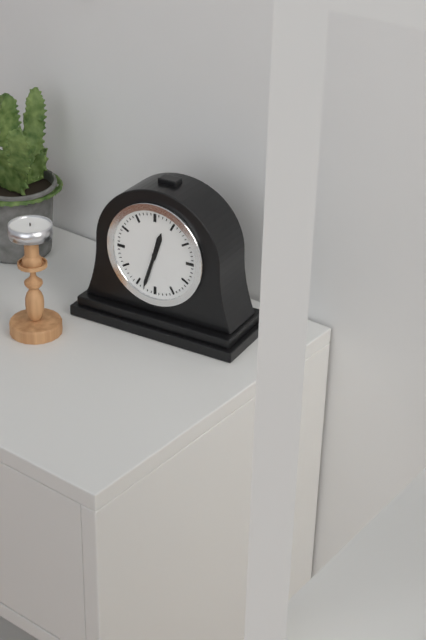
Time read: 12:33
